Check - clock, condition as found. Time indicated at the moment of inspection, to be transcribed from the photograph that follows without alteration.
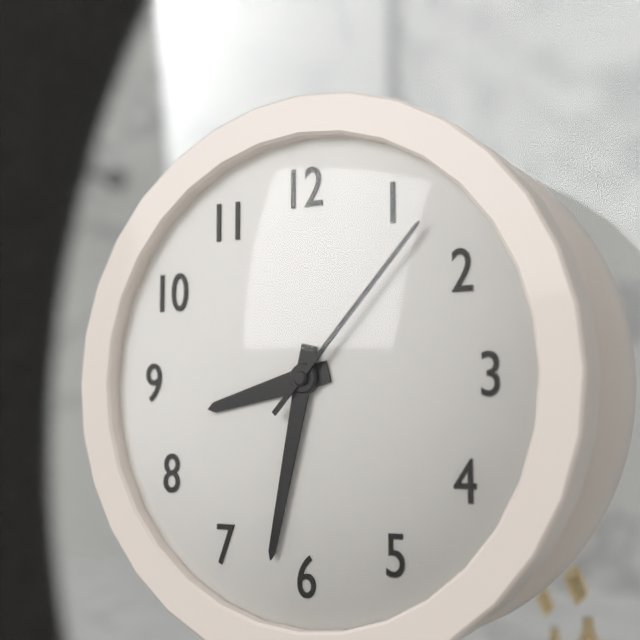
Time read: 8:32:07
